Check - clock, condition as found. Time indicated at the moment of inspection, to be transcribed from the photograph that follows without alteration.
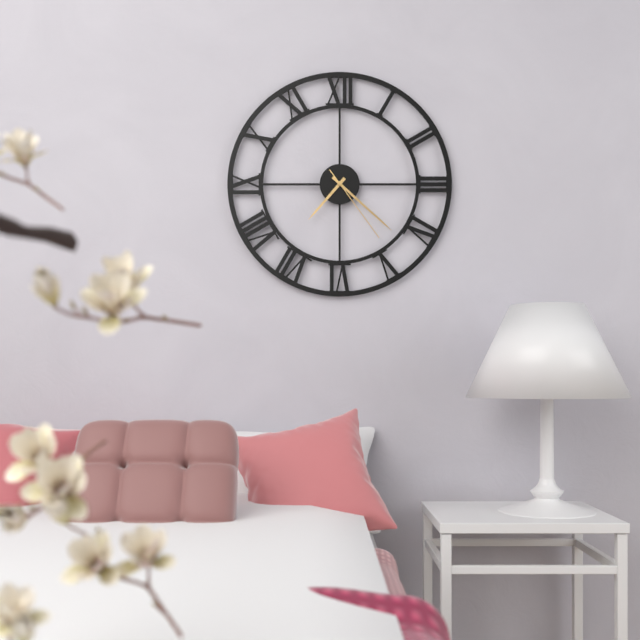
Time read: 7:22:24
